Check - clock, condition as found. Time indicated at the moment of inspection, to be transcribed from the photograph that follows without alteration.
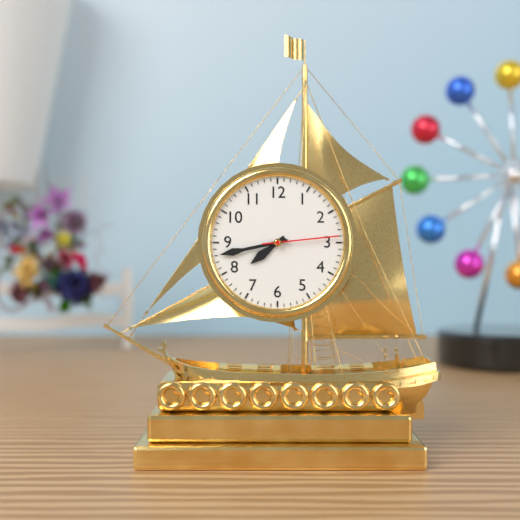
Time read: 7:43:14
